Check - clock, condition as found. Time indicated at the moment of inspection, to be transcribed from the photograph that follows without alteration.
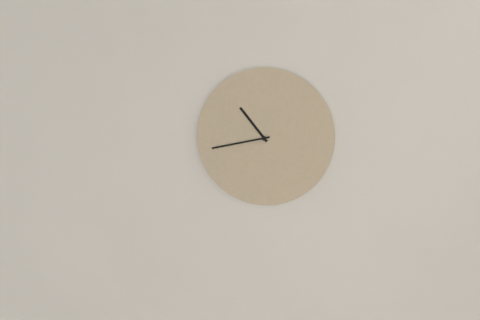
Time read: 10:43
